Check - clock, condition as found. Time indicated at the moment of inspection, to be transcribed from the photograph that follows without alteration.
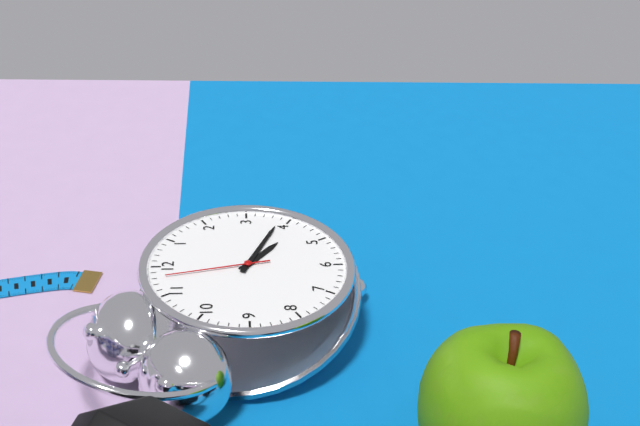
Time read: 4:19:58
